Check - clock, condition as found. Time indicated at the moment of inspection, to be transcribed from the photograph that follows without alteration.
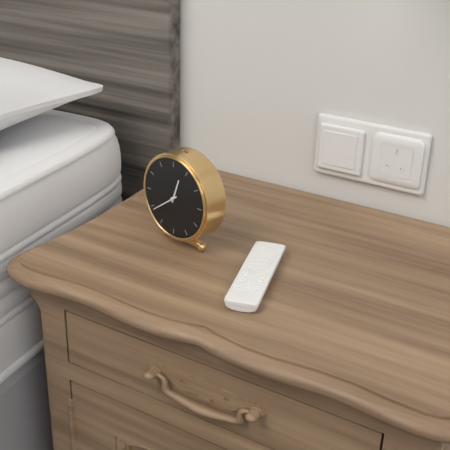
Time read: 12:39
